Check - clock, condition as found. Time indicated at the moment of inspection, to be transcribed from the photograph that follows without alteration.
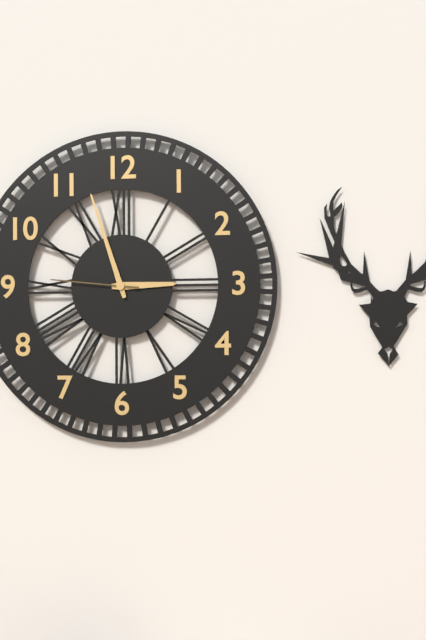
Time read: 2:57:46
